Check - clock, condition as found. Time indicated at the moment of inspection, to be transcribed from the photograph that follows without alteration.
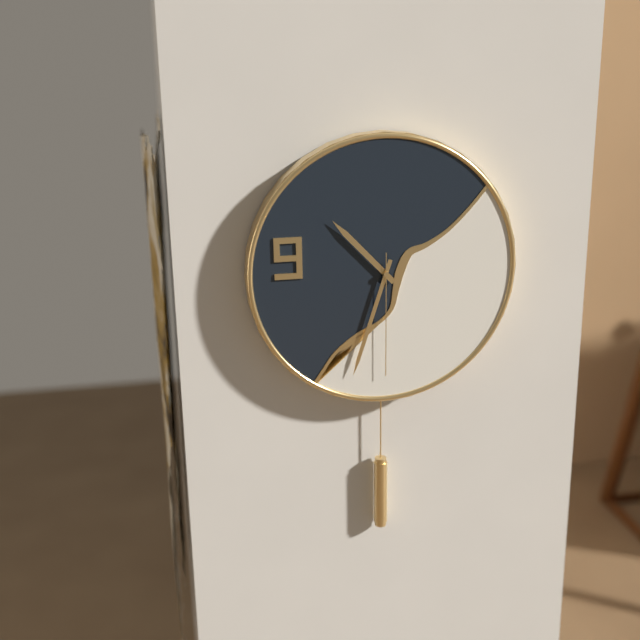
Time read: 10:33:30
